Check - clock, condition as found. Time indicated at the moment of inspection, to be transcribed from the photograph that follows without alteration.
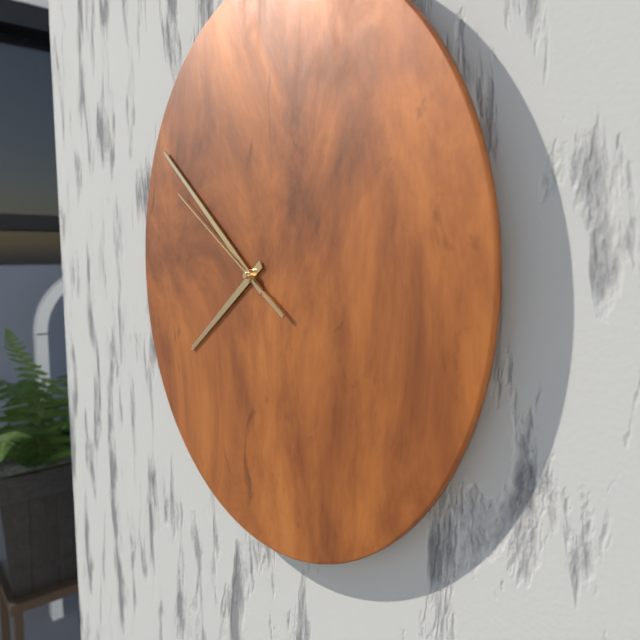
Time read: 7:51:50
